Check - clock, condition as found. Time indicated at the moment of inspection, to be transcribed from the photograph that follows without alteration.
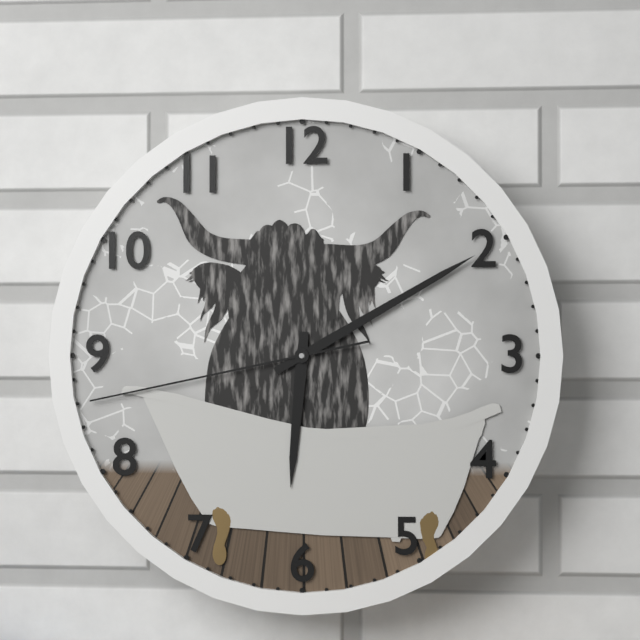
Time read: 6:10:43
